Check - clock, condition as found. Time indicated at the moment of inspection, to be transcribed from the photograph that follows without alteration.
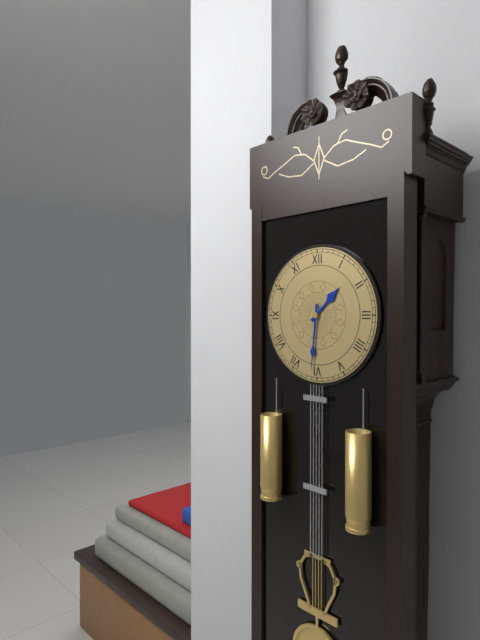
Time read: 1:31
